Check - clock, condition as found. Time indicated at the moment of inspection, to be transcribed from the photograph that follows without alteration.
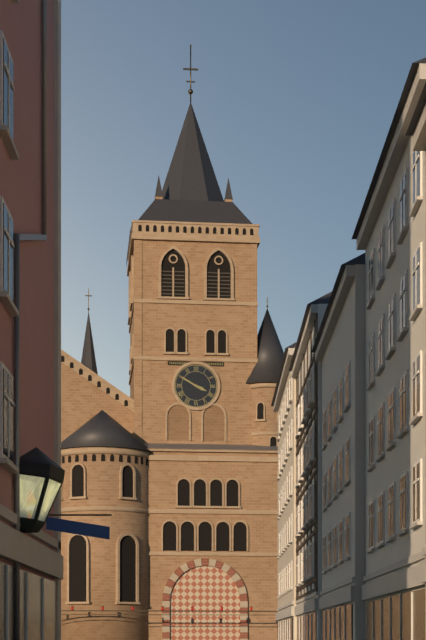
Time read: 3:50
